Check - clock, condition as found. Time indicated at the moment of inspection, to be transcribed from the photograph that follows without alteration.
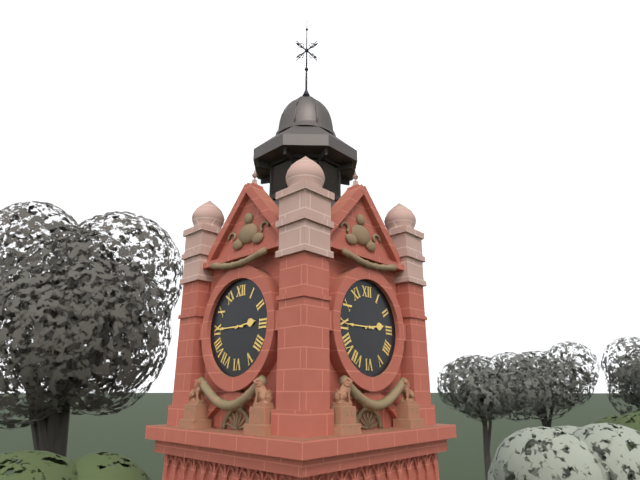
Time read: 2:45
